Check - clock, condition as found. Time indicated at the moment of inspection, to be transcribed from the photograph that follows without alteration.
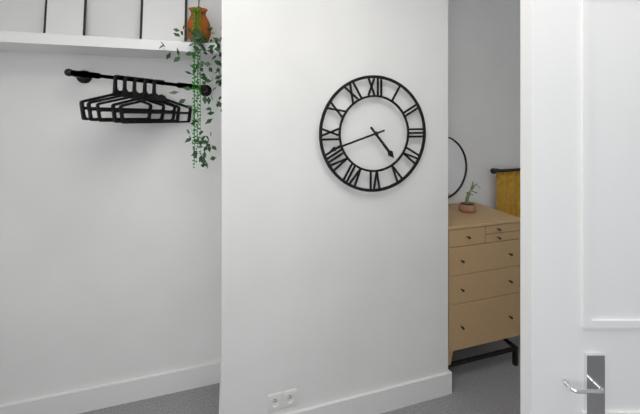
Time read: 4:42
